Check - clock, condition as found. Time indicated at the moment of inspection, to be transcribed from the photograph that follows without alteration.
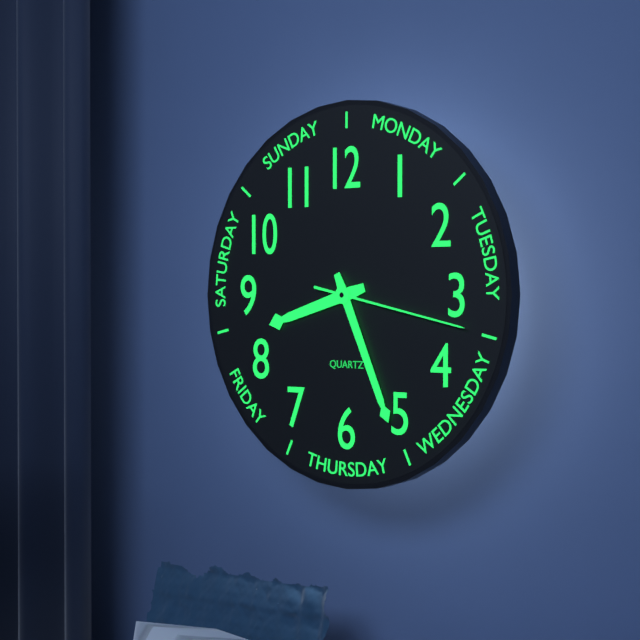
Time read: 8:26:17
